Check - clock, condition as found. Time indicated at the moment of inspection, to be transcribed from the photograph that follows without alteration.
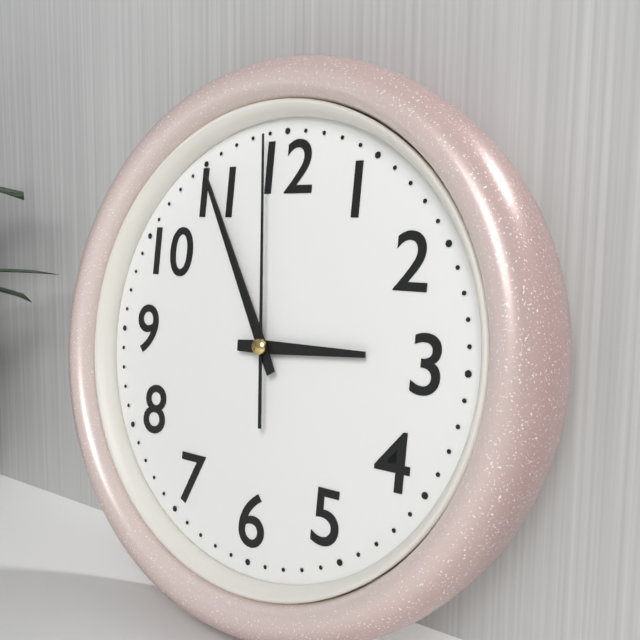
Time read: 2:55:59
